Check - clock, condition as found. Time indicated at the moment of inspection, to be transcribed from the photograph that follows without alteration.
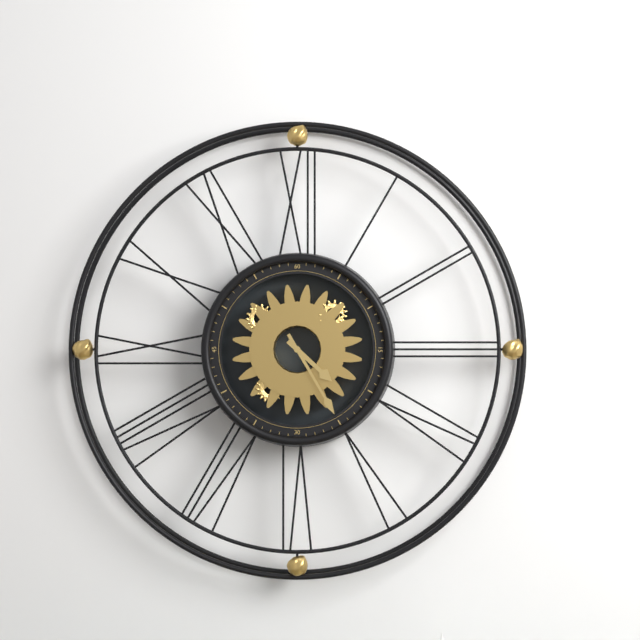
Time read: 4:25
